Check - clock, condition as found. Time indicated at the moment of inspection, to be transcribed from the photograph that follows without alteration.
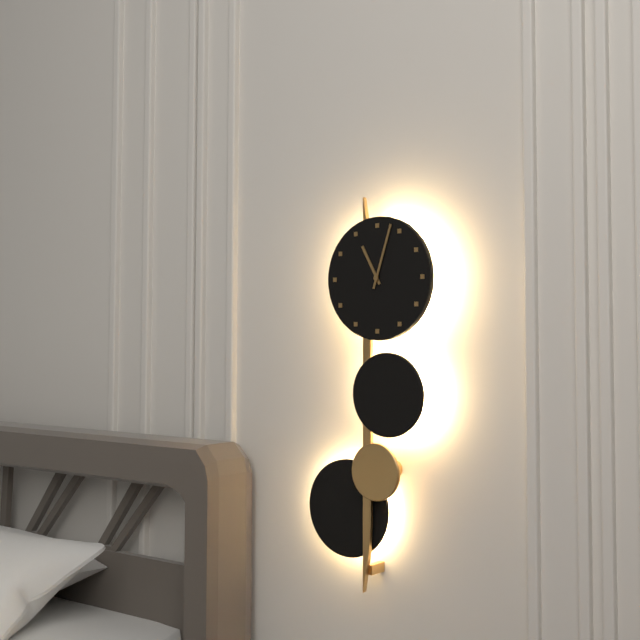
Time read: 11:03
